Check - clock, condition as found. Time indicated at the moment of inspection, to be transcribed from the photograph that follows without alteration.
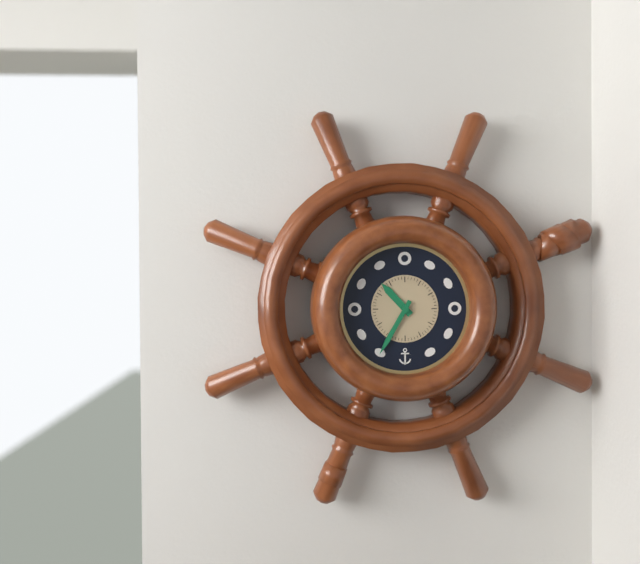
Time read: 10:35
